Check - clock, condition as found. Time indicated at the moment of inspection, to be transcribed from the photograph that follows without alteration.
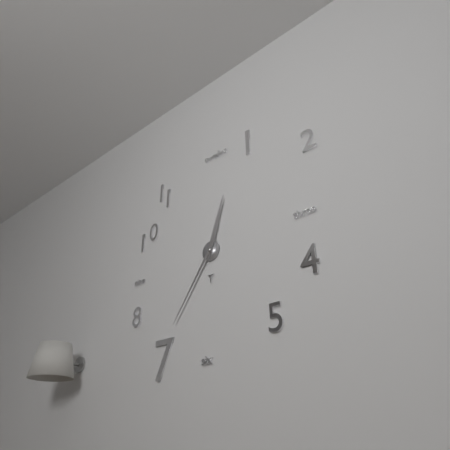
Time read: 12:36
